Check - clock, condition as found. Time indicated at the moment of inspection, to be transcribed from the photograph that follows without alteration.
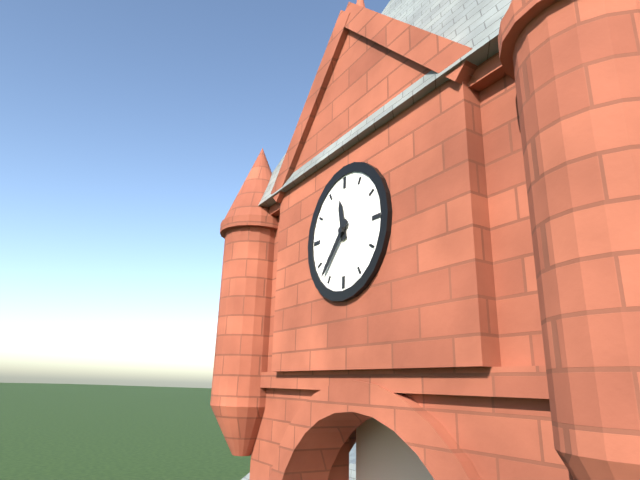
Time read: 11:37
